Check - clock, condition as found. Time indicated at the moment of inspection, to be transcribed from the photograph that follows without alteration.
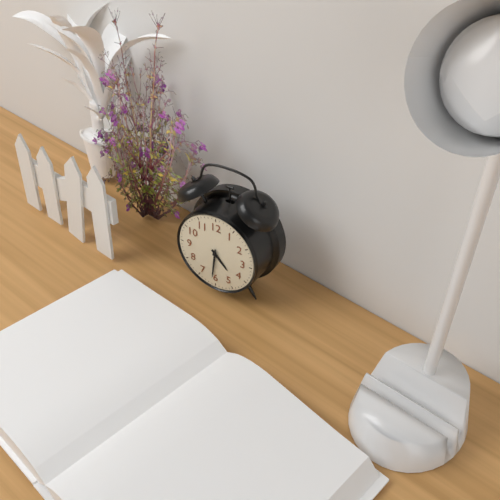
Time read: 4:31
